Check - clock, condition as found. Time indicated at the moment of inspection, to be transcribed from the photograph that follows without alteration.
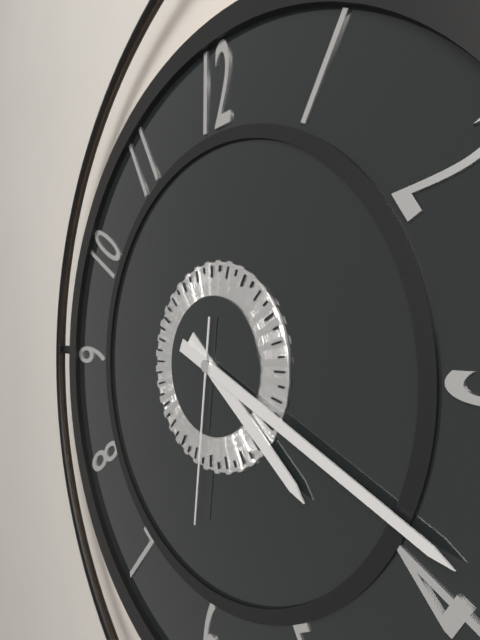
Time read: 4:19:31
